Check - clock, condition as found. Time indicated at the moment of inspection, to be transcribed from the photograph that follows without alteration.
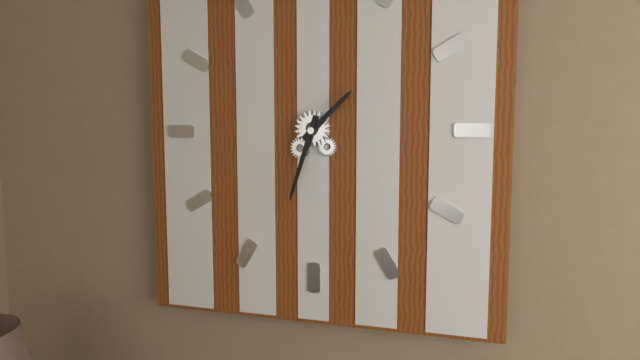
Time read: 1:33
